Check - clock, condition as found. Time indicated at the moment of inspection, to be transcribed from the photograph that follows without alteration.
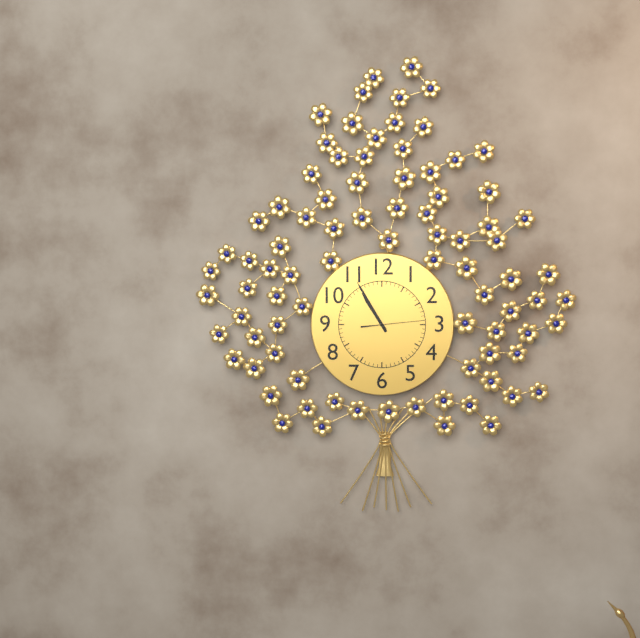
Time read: 10:55:14
